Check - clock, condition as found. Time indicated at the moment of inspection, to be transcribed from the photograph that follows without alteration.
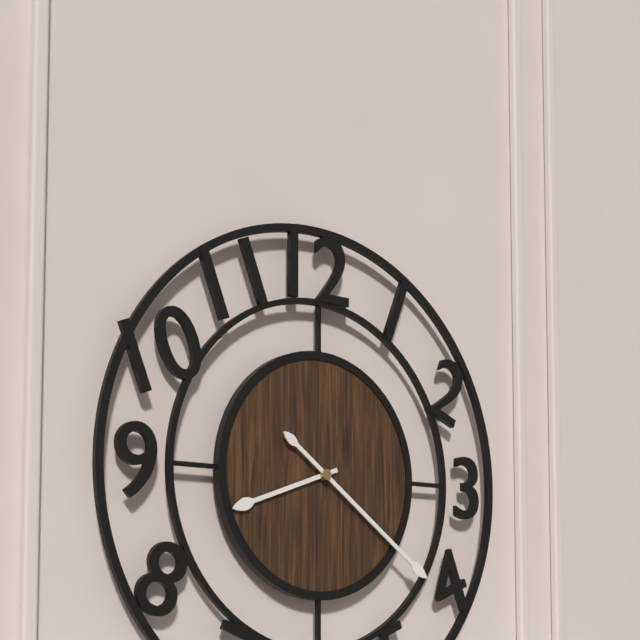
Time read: 8:21
